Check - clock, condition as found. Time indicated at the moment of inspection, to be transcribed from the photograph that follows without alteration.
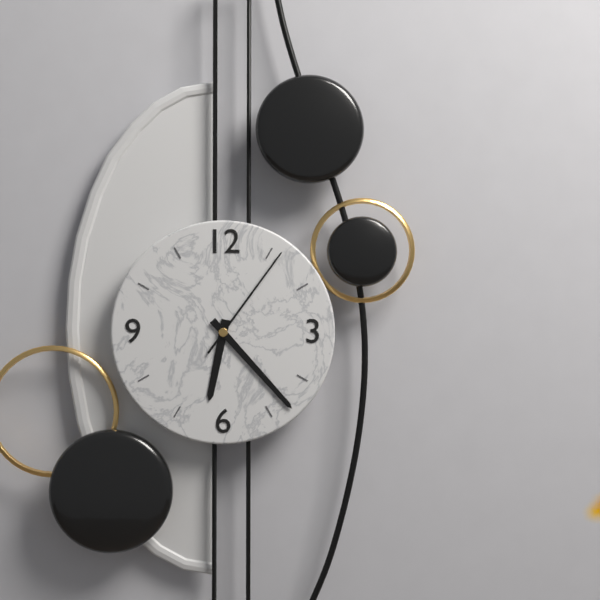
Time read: 6:23:06
